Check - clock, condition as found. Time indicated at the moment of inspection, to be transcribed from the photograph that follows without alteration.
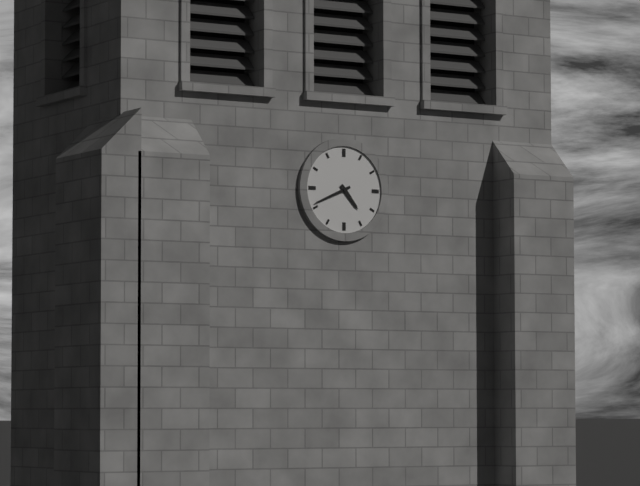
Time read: 4:41
